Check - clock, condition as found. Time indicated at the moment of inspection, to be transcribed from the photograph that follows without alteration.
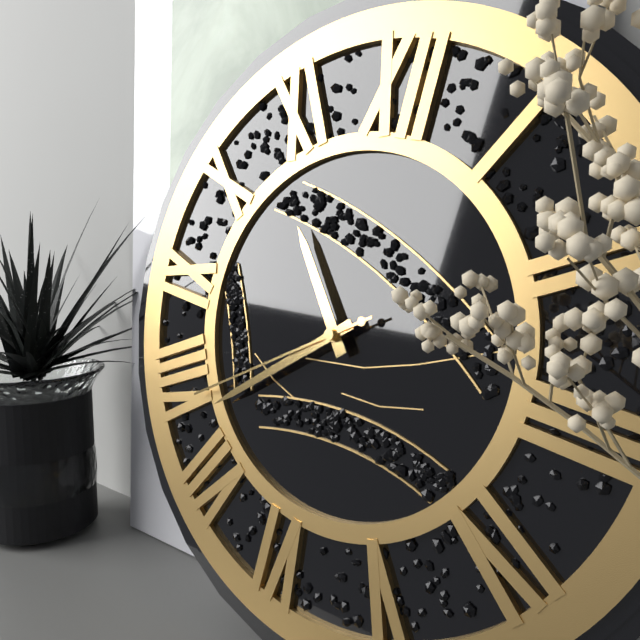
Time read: 10:38:39
